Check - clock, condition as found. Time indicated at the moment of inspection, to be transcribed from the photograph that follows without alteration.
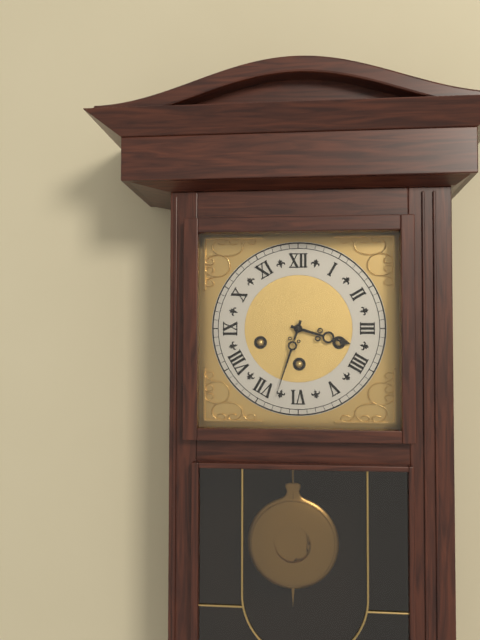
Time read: 3:33
